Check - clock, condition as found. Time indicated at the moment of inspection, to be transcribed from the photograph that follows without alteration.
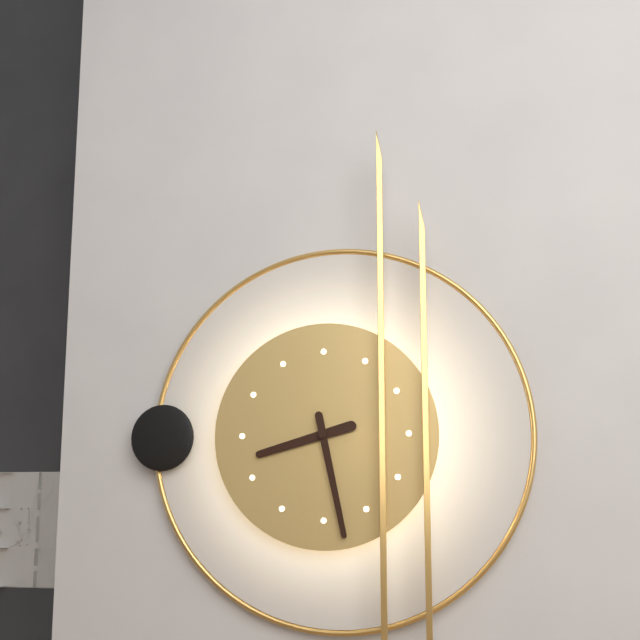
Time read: 8:28
